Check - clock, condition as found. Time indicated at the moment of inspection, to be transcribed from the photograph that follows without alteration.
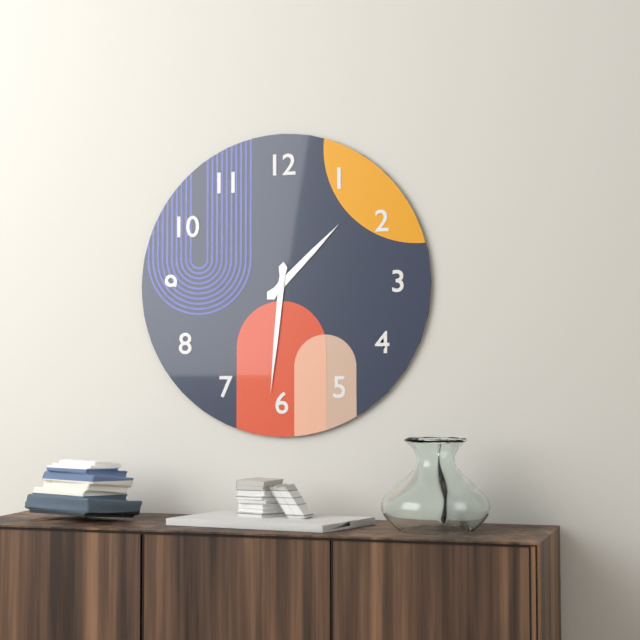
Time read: 1:31
